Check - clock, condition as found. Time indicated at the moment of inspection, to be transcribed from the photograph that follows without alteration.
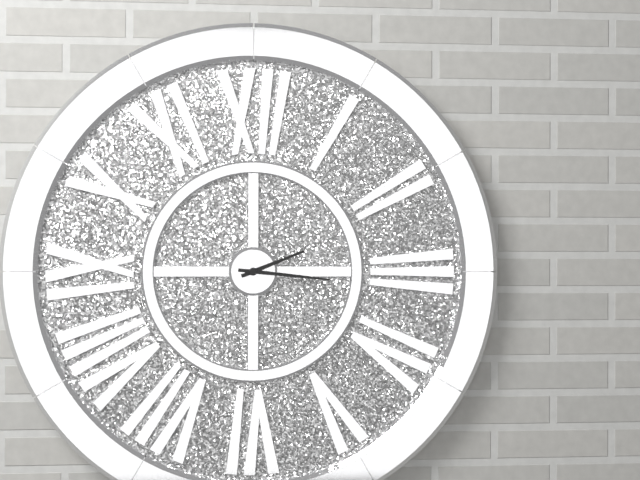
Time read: 2:16
